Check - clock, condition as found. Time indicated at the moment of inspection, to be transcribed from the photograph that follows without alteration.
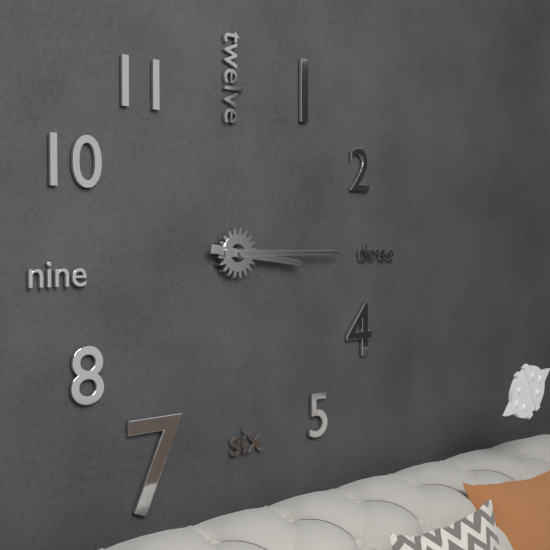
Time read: 3:15
